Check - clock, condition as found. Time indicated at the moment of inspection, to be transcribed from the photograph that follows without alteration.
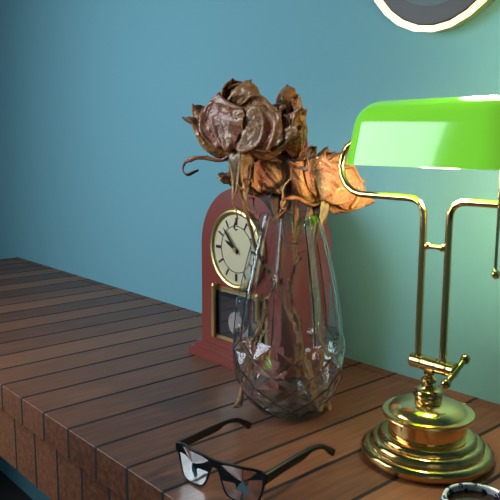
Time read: 9:53
